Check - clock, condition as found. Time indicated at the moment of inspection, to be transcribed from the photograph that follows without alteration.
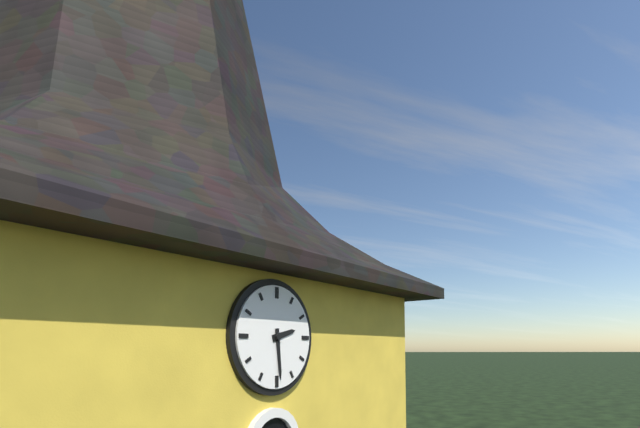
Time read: 2:29
